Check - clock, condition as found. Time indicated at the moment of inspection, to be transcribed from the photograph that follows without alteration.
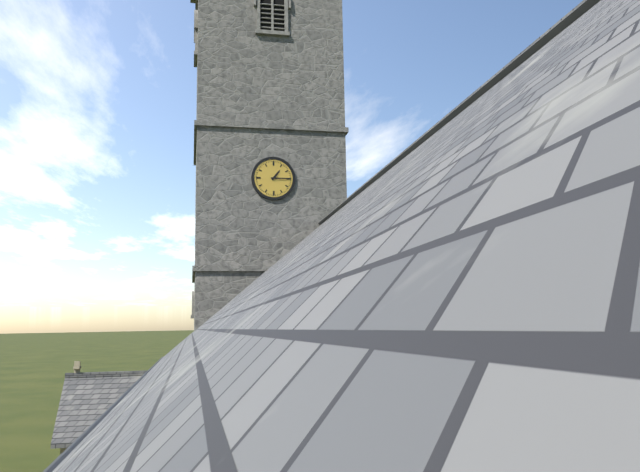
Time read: 1:15
